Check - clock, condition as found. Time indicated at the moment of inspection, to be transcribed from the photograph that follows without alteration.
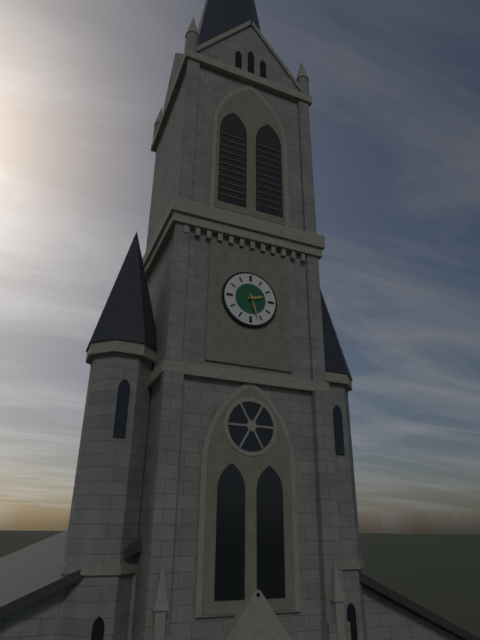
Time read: 2:27
